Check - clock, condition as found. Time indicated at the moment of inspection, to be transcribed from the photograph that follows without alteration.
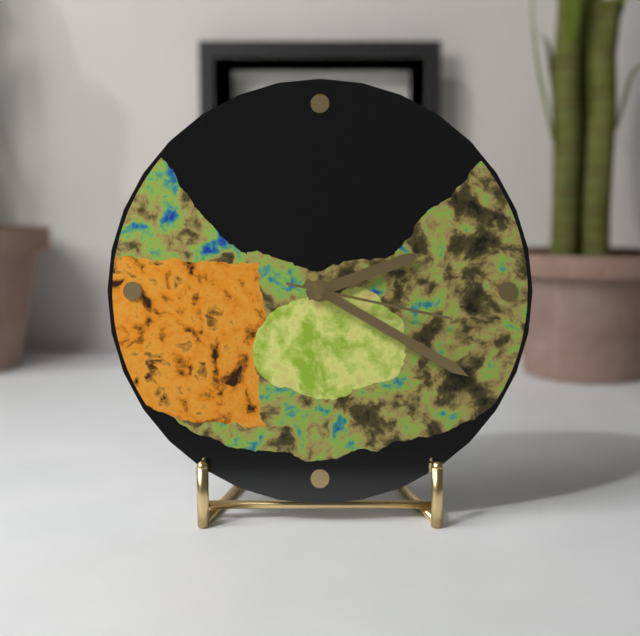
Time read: 2:20:17
